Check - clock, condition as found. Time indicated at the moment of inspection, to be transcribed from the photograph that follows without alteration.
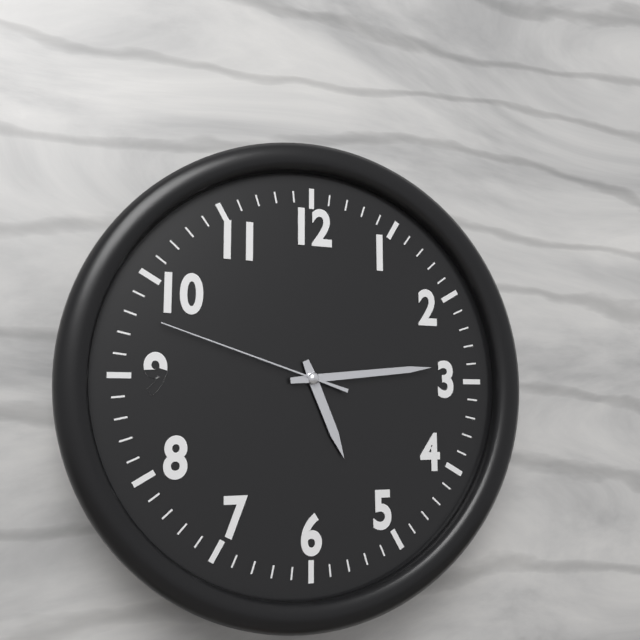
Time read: 5:14:48
